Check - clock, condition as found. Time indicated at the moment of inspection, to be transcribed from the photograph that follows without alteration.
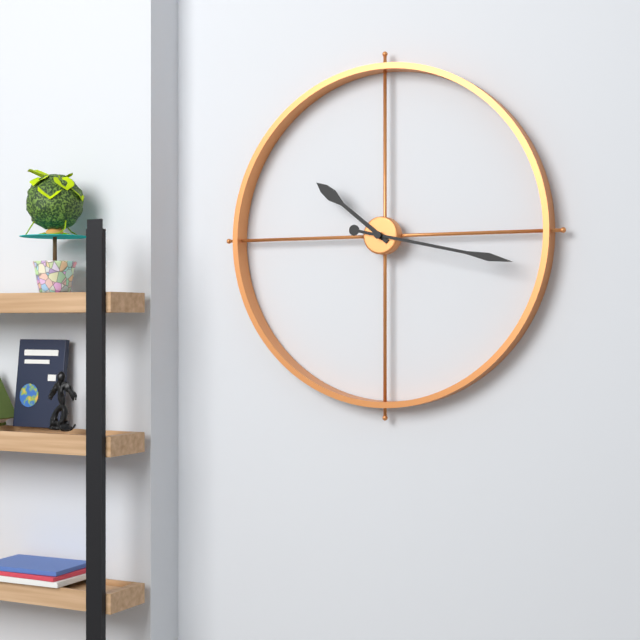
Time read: 10:17
